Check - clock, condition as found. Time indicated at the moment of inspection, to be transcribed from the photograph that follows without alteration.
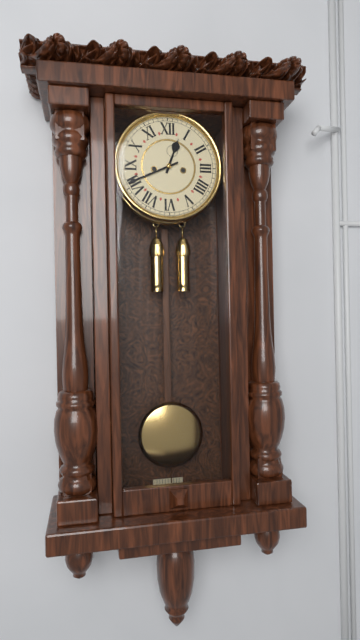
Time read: 12:41
